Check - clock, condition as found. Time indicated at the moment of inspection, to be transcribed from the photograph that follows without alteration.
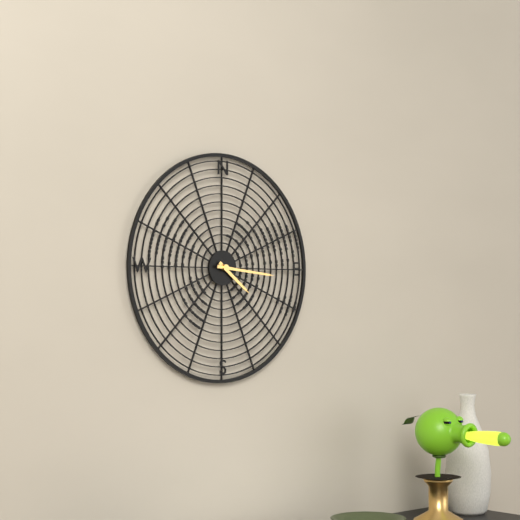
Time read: 4:16
